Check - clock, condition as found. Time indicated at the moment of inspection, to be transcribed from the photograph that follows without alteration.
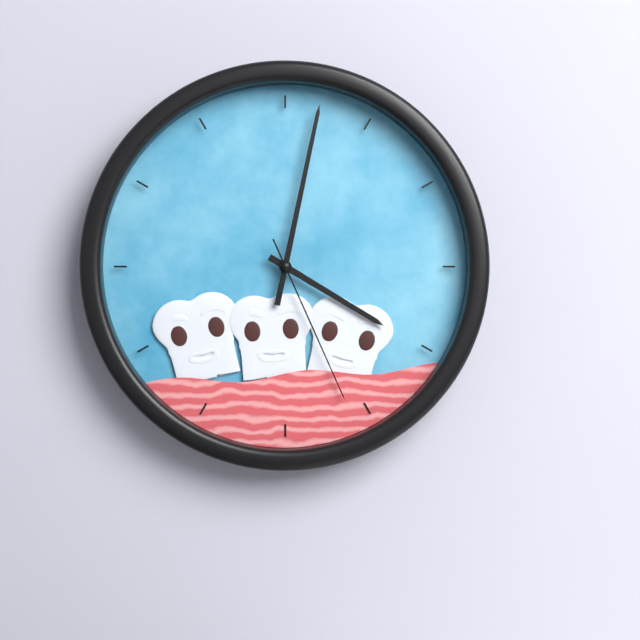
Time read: 4:02:26
